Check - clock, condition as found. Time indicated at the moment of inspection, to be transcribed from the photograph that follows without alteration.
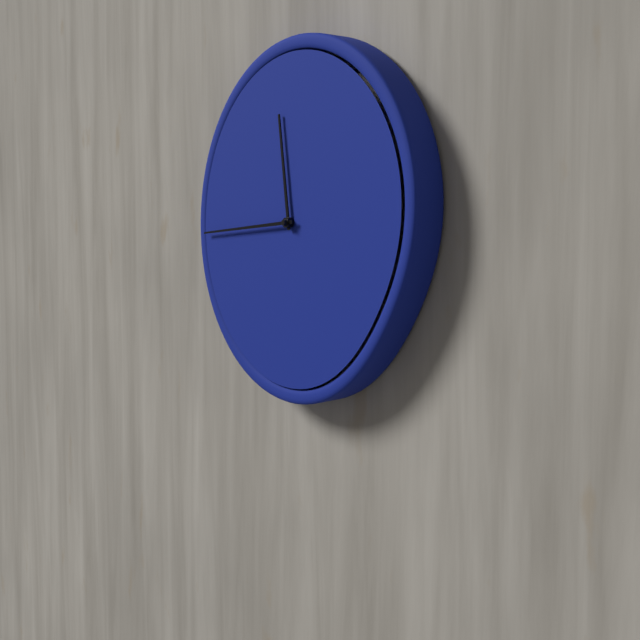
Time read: 11:44
